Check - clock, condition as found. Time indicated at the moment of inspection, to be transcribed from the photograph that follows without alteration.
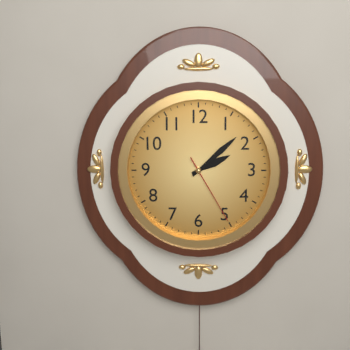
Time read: 2:08:25
